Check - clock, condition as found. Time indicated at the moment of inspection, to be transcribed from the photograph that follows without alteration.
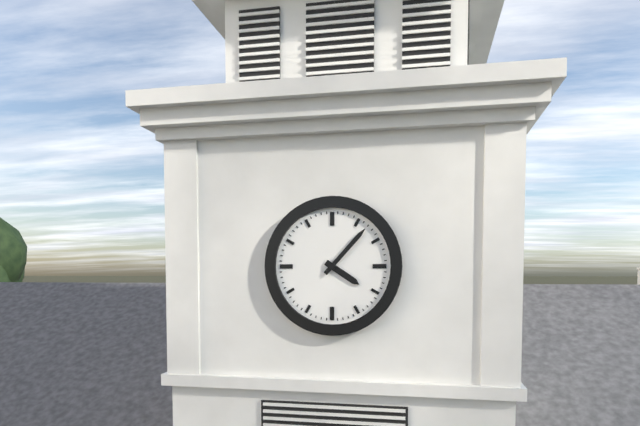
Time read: 4:07
